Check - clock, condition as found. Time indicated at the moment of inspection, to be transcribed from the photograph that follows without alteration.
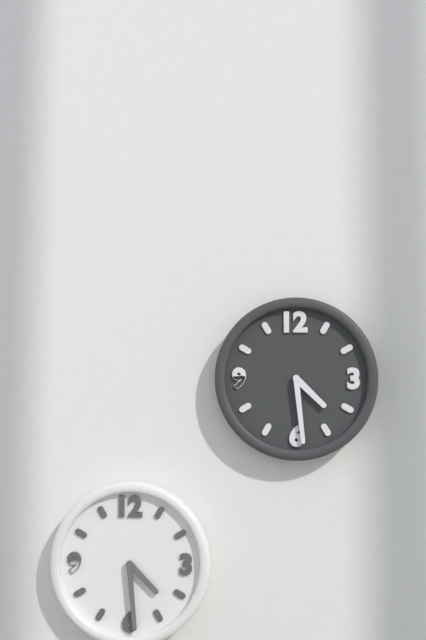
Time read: 4:29
